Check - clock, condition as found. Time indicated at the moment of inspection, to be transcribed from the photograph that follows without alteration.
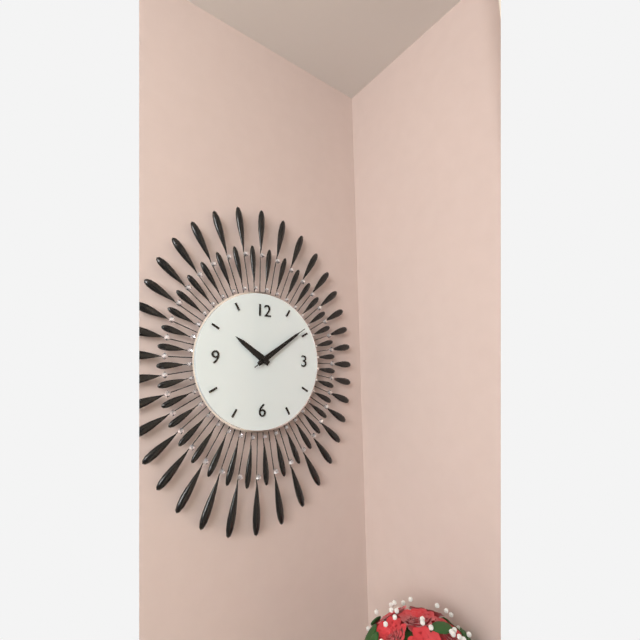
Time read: 10:09:09
